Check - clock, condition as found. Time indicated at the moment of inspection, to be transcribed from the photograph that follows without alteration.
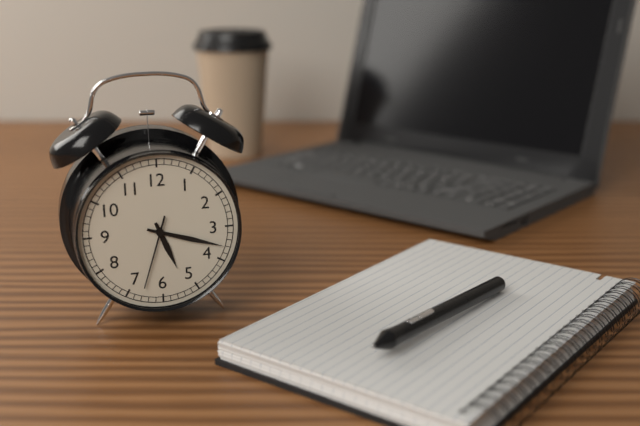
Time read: 5:18:33
